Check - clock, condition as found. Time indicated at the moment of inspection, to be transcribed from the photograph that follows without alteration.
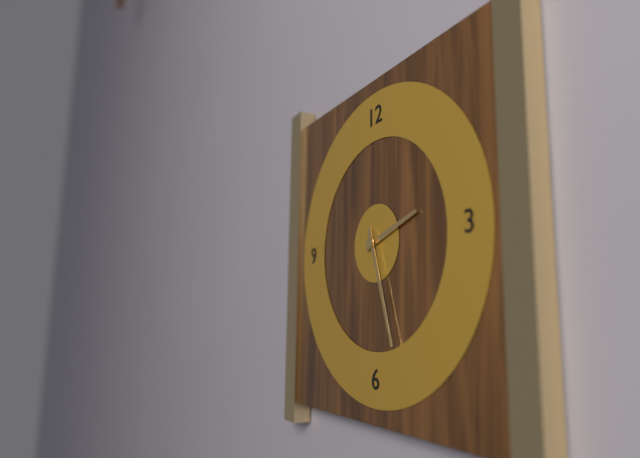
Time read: 2:27
